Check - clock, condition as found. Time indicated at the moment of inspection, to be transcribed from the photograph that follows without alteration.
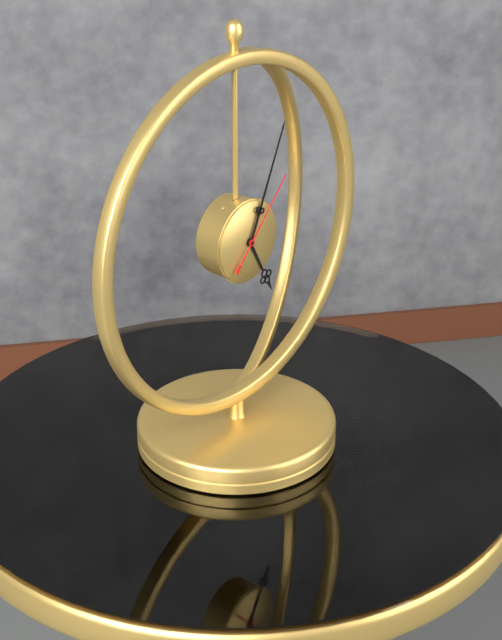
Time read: 5:04:07
